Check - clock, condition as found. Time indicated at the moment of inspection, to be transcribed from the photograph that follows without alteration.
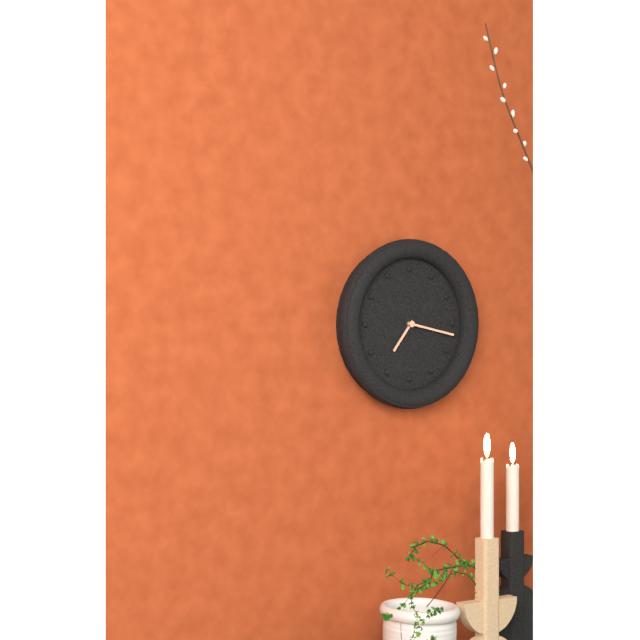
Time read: 7:17
